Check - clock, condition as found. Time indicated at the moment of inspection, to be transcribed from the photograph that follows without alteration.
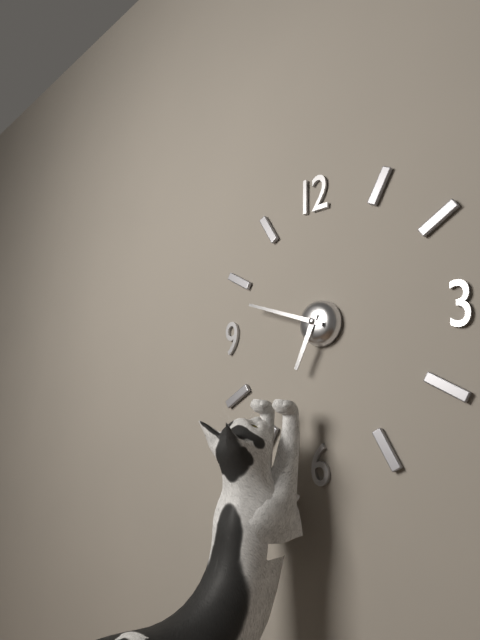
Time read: 6:48
